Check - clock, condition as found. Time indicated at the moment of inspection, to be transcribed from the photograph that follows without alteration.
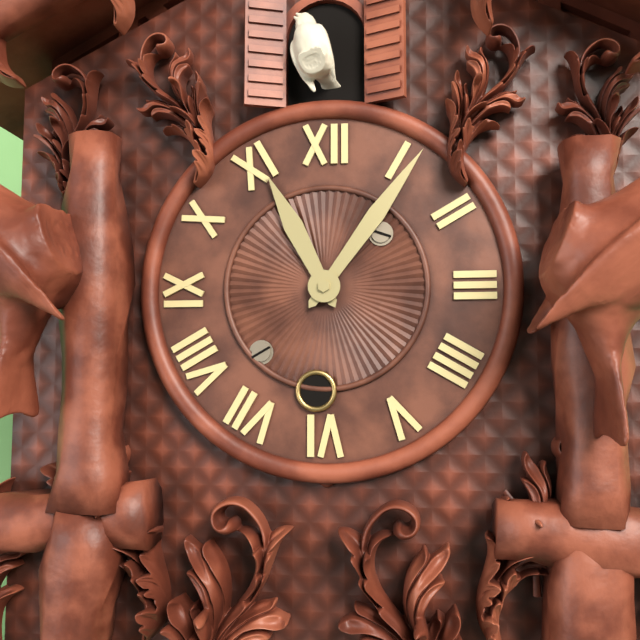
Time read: 11:06
